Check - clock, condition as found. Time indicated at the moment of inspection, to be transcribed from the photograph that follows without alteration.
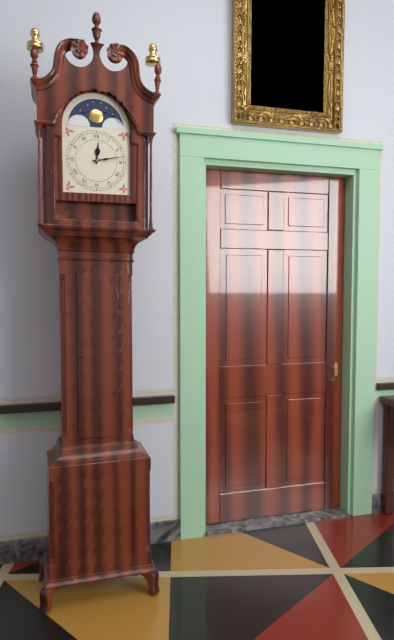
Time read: 12:13
